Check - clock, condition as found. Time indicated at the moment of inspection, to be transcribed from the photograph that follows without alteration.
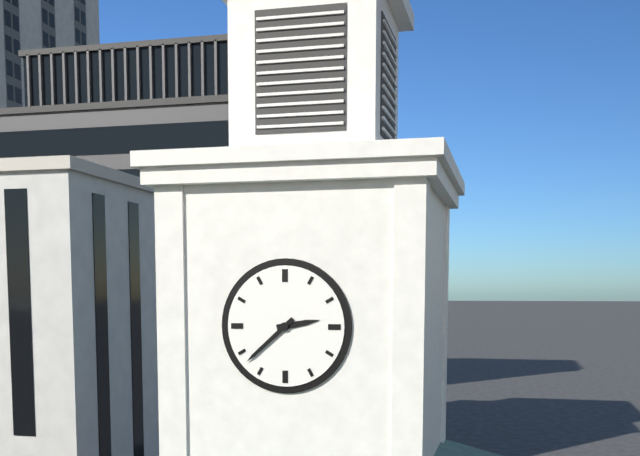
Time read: 2:38
